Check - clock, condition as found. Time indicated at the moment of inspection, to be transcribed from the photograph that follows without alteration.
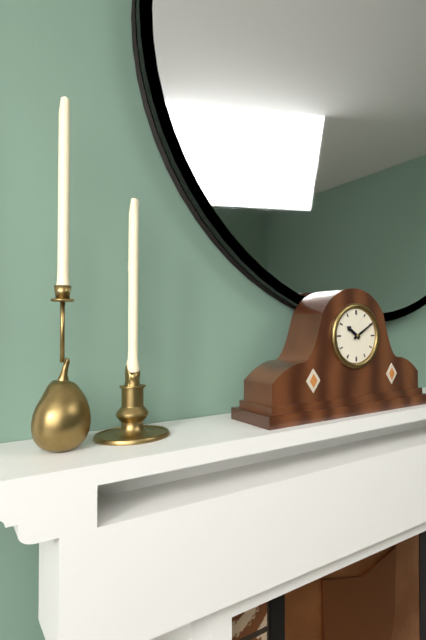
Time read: 10:10
